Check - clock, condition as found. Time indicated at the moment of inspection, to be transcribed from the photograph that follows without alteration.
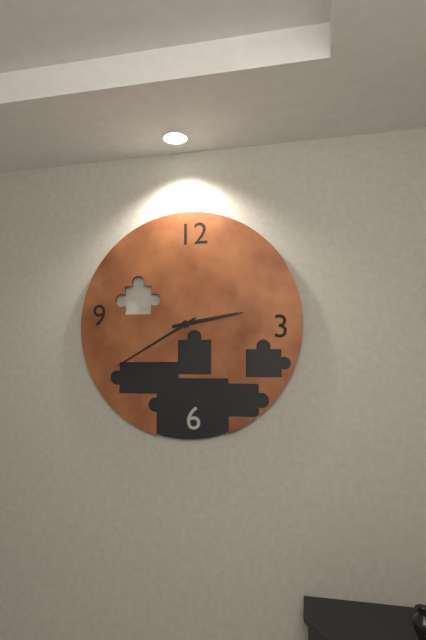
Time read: 2:40
